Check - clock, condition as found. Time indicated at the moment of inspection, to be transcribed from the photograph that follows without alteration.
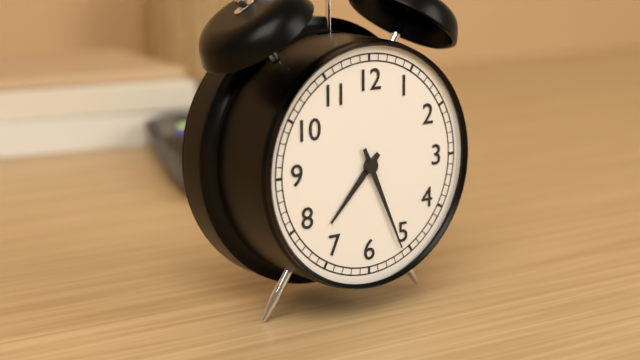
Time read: 7:26
